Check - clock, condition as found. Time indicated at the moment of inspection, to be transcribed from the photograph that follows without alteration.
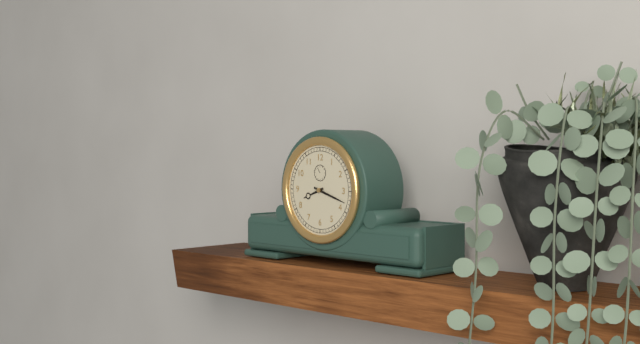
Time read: 8:18
